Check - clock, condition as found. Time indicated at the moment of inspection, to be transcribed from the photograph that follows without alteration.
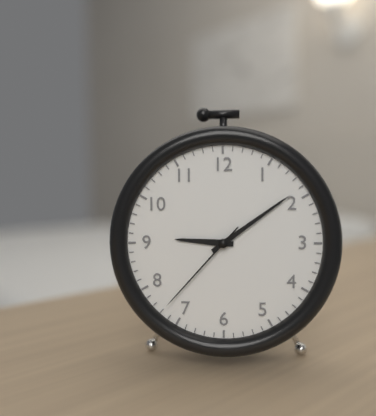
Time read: 9:09:37
